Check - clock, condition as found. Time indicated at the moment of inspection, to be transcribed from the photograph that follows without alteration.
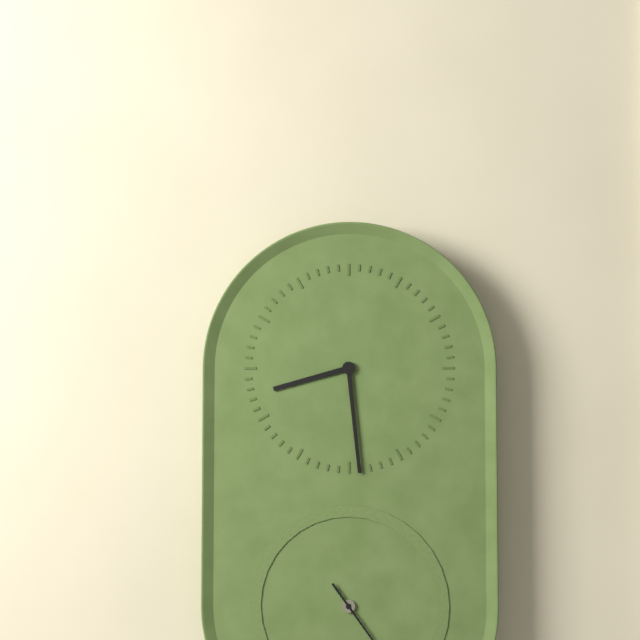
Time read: 8:29
